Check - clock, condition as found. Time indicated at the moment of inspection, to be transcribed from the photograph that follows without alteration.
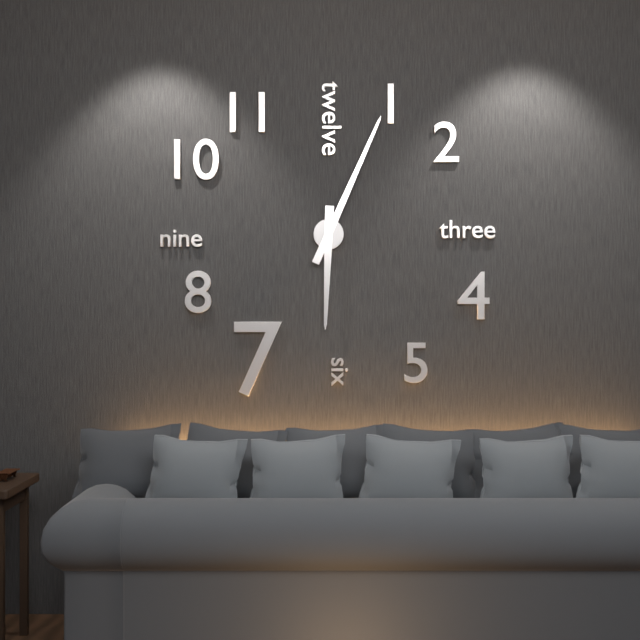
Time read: 6:04
